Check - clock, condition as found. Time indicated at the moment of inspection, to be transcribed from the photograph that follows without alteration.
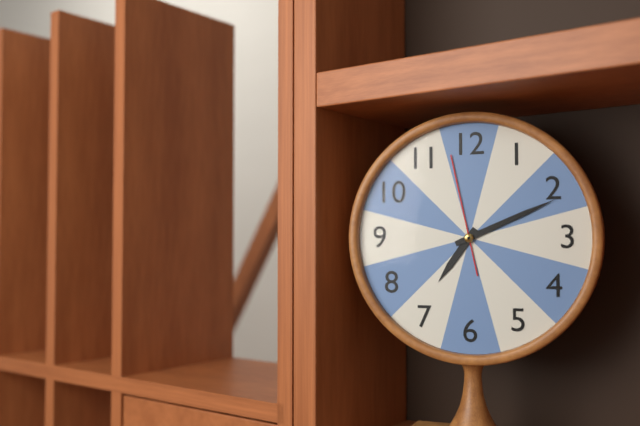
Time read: 7:11:58
